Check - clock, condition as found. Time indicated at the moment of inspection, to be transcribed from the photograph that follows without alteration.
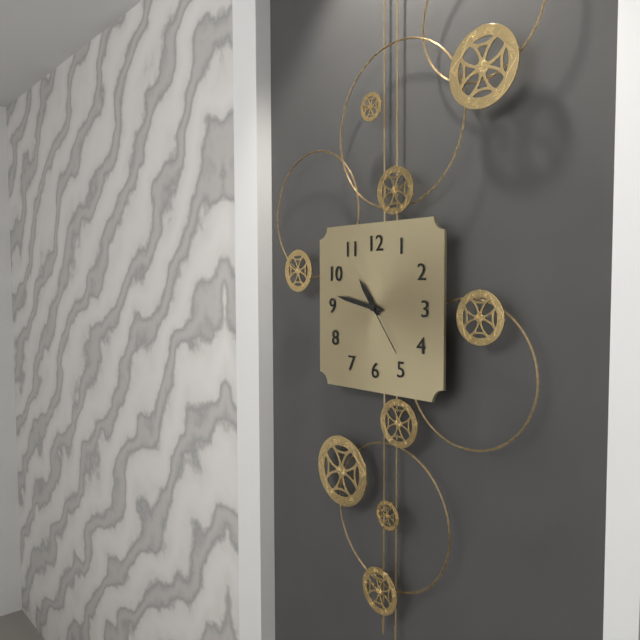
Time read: 10:47:24
